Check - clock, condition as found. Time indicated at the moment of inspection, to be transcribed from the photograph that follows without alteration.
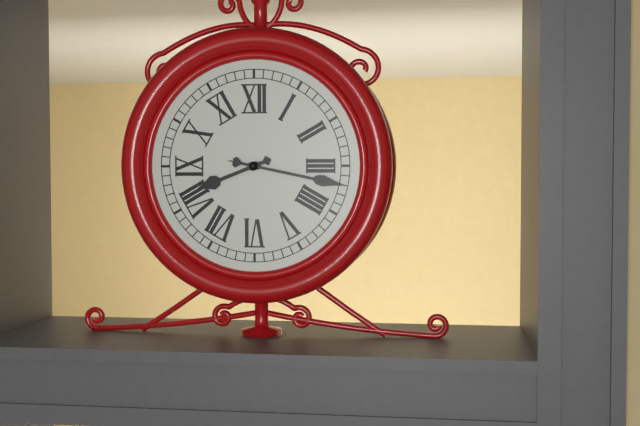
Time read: 8:17
